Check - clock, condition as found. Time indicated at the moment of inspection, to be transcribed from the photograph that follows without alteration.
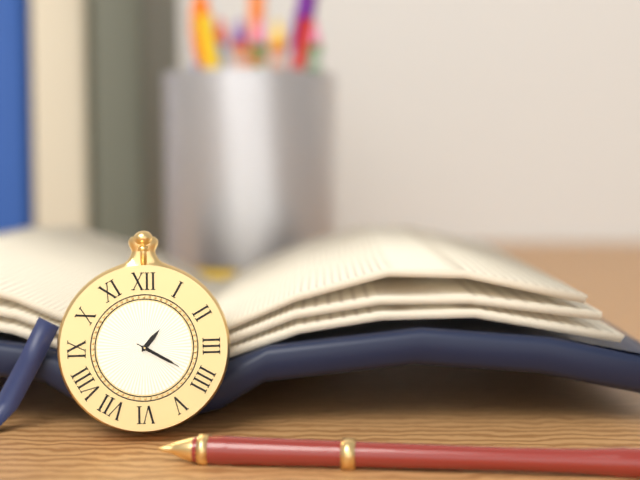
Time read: 1:20
